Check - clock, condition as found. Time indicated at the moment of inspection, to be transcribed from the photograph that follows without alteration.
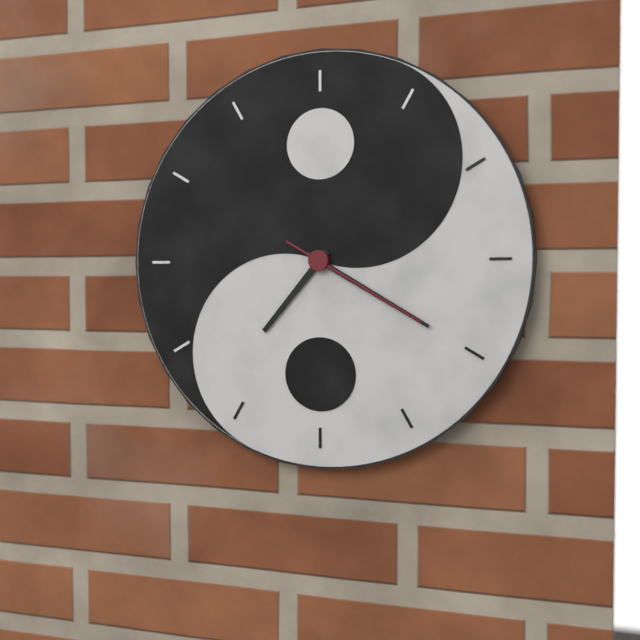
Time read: 7:20:20
